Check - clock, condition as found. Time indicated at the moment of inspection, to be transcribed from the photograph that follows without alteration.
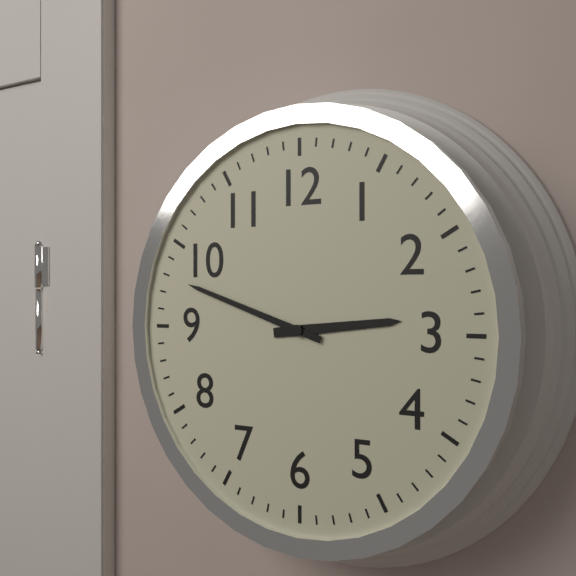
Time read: 2:48
